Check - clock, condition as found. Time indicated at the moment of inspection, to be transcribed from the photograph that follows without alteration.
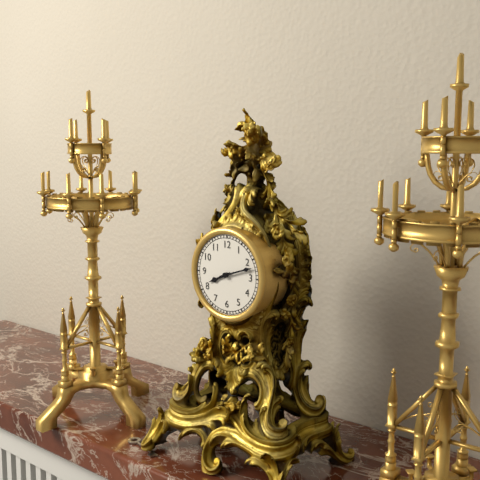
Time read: 8:12
